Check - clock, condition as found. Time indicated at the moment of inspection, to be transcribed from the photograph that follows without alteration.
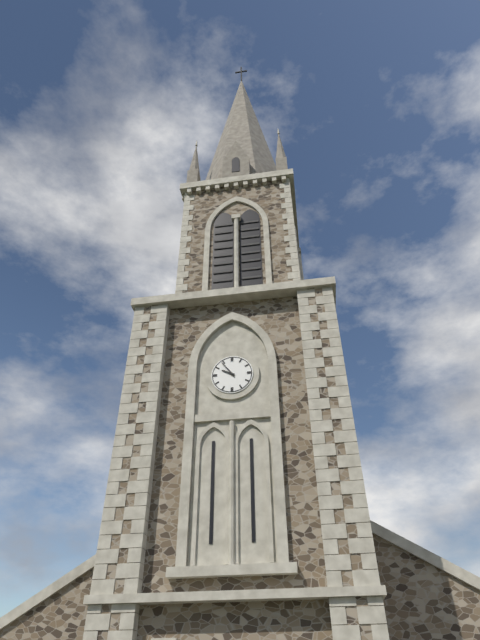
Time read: 9:54
